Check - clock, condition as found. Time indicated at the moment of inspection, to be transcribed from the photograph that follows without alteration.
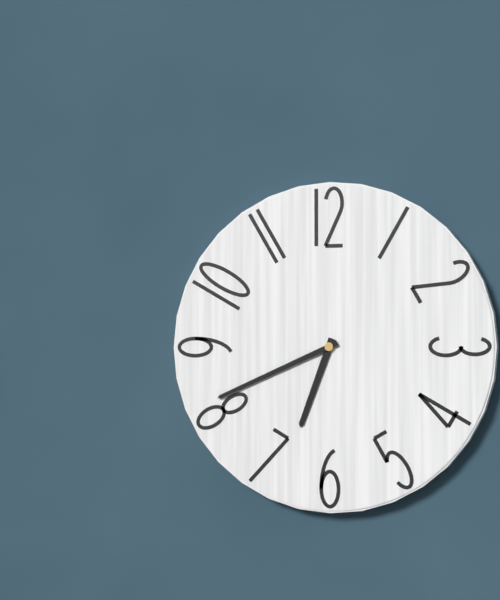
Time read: 6:41
